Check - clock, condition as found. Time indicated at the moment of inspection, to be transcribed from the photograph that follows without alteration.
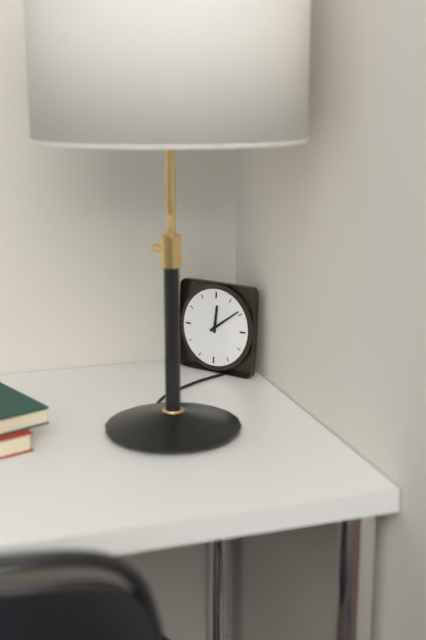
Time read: 12:09
